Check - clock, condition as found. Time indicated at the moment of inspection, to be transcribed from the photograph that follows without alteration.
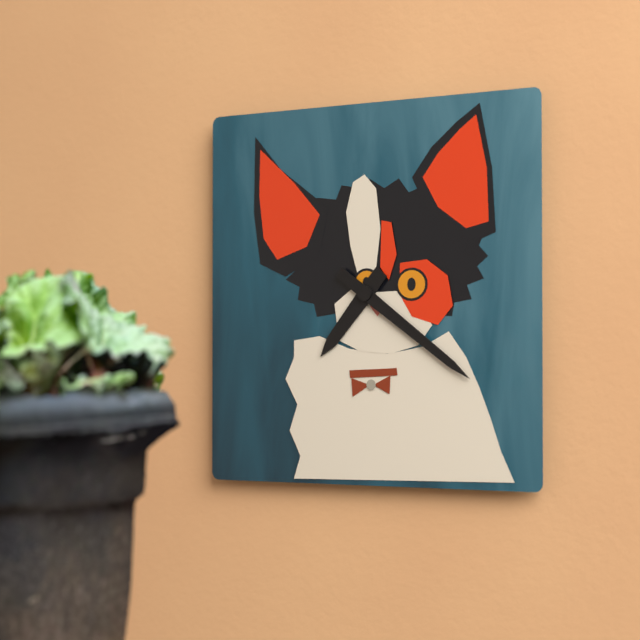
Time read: 7:21
